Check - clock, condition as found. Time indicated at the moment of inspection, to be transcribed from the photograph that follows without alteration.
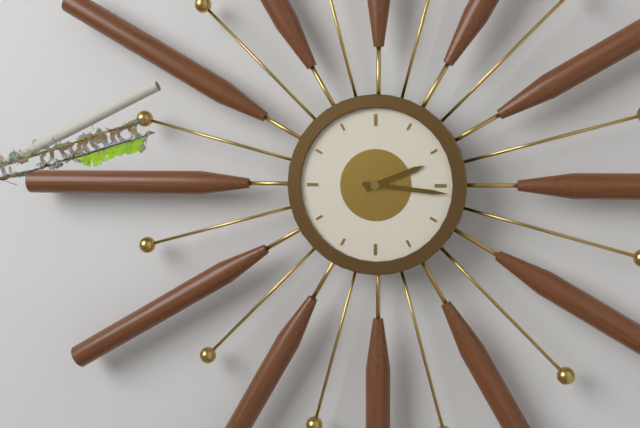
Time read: 2:16
